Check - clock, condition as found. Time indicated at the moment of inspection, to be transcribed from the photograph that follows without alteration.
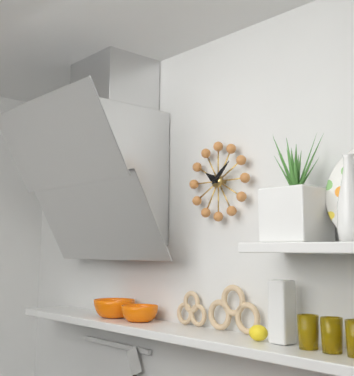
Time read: 10:08
